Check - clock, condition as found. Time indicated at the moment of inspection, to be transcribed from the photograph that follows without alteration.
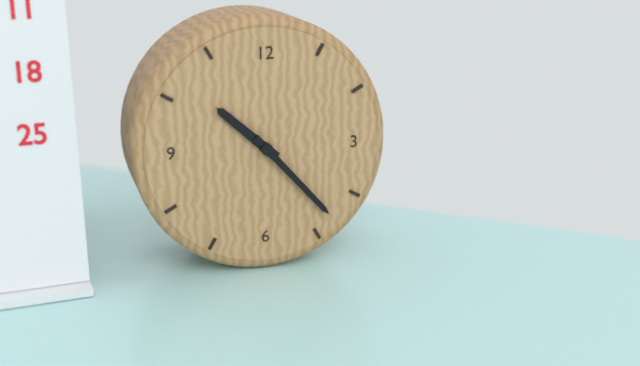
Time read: 10:23
